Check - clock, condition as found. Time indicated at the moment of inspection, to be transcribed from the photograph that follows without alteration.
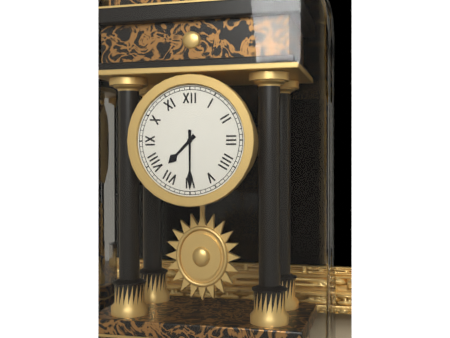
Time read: 7:30
